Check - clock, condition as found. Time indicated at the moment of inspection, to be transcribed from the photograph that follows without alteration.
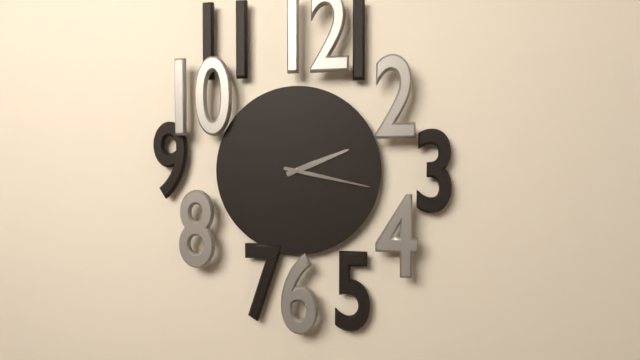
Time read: 2:17
